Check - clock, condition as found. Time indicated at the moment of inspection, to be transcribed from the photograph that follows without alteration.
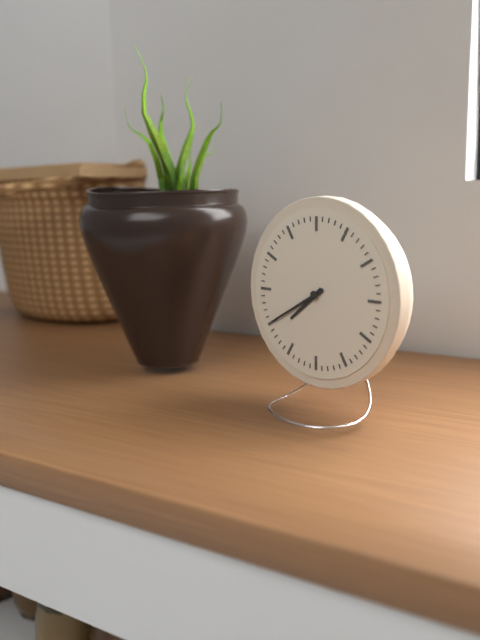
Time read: 7:40
